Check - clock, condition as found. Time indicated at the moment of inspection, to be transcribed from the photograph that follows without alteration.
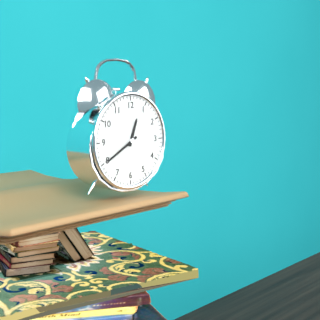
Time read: 12:40
